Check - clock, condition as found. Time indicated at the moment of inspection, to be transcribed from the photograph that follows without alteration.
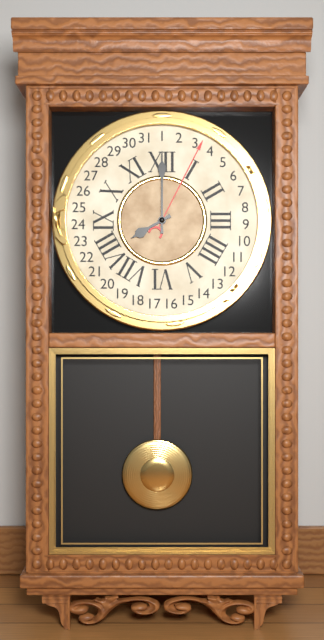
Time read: 8:00
